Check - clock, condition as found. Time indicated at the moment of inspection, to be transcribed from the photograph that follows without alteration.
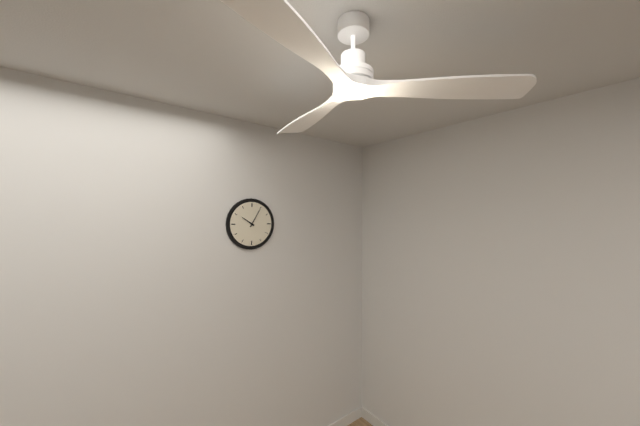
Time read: 10:05
